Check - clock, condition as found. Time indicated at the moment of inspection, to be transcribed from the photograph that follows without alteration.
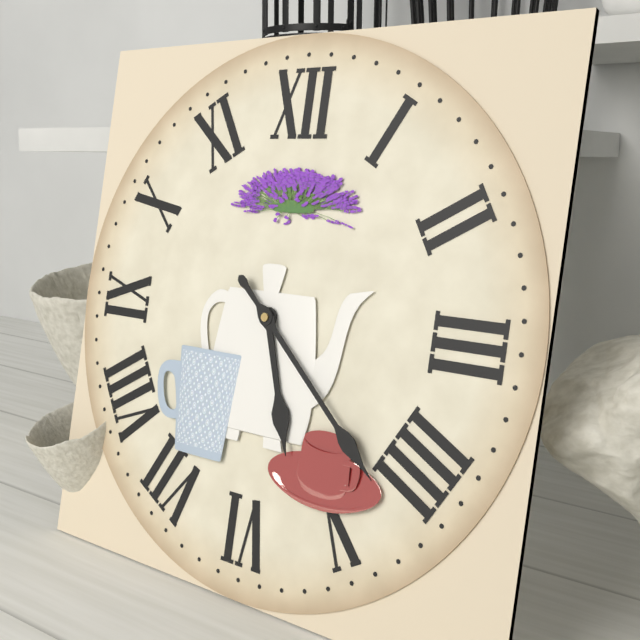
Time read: 5:22
